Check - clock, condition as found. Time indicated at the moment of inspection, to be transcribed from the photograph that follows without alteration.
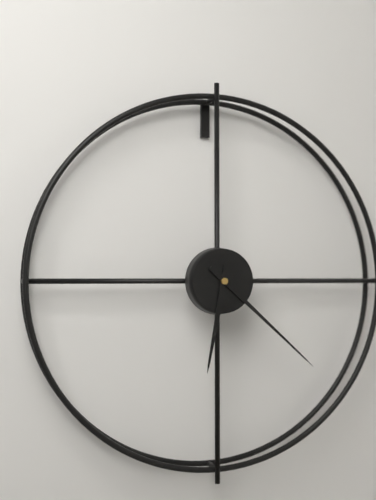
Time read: 6:22
